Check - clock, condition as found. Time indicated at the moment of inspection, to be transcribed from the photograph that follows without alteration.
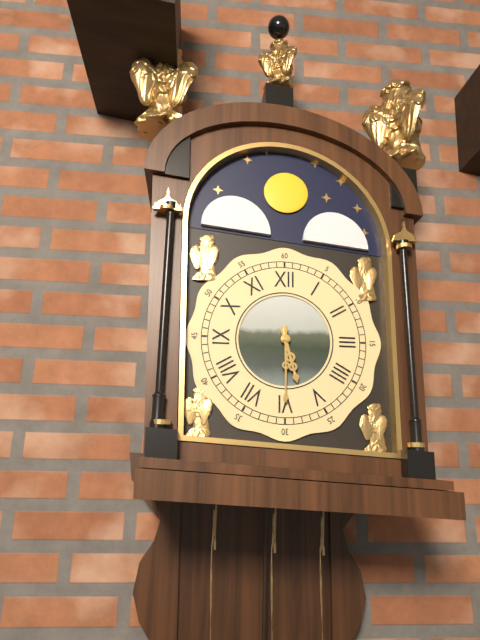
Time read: 5:30
